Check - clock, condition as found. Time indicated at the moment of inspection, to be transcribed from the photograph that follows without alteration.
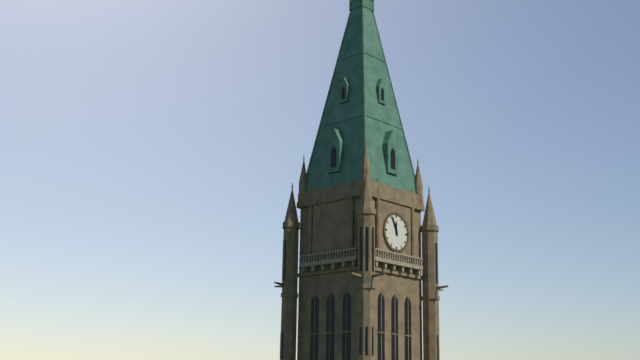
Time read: 11:56
